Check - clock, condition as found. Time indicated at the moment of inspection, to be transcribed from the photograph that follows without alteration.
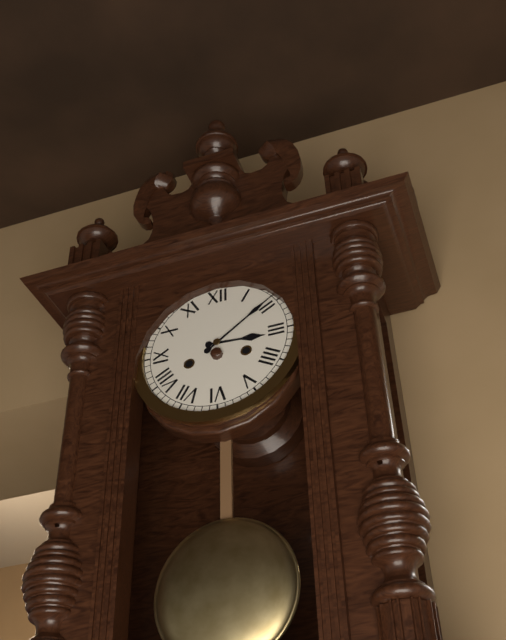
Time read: 3:09
